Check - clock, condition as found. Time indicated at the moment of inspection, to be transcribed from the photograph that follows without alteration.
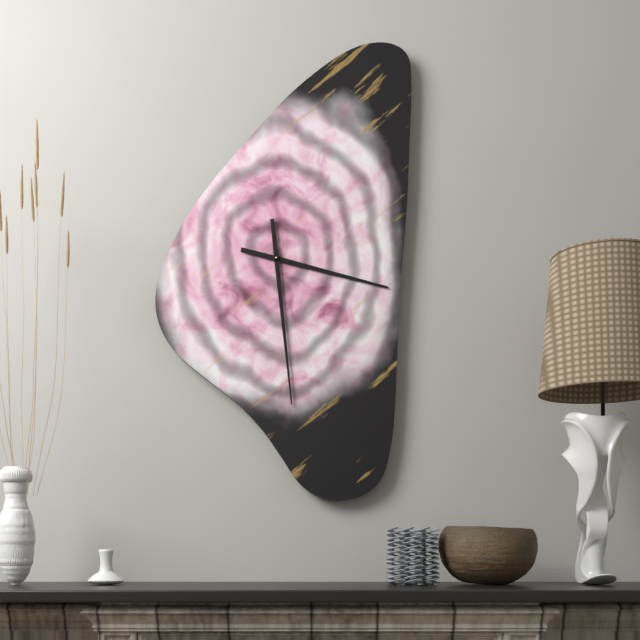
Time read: 3:29
